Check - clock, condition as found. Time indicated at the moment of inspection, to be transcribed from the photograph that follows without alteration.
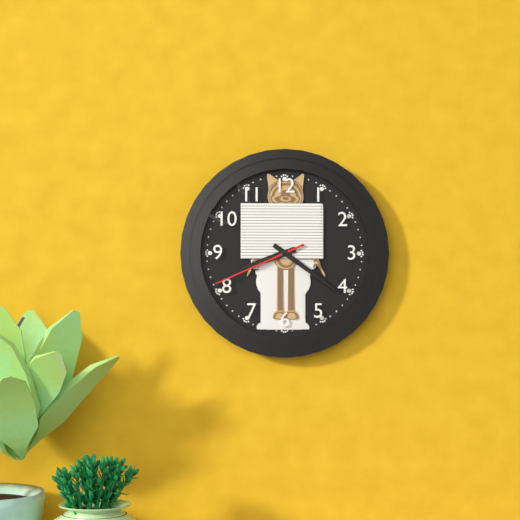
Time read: 8:21:41
